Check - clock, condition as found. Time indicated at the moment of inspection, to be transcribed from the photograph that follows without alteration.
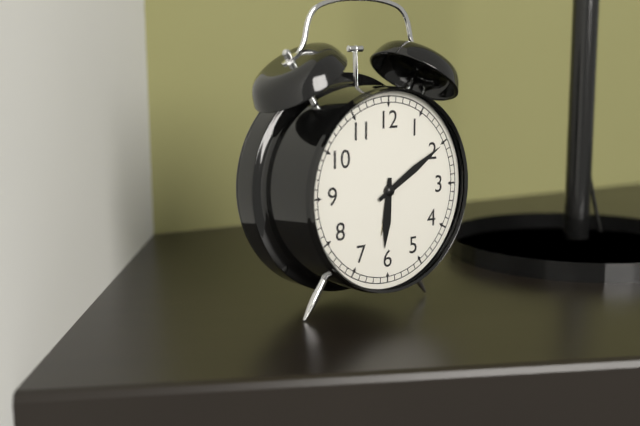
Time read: 6:10
